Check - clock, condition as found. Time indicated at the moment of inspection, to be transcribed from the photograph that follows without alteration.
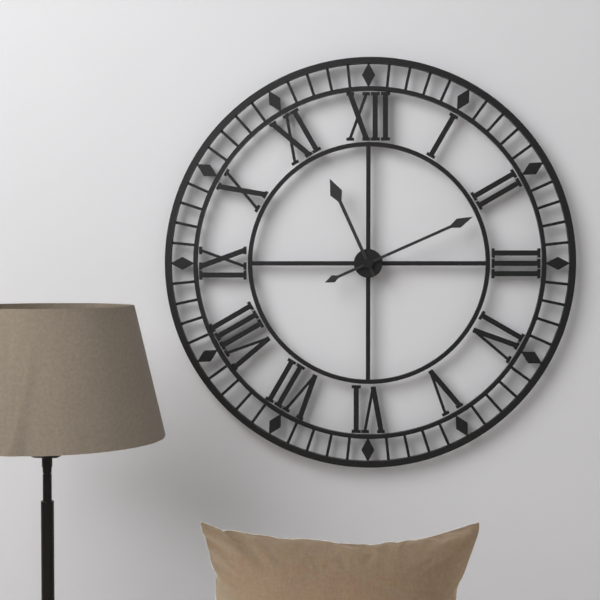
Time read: 11:11
